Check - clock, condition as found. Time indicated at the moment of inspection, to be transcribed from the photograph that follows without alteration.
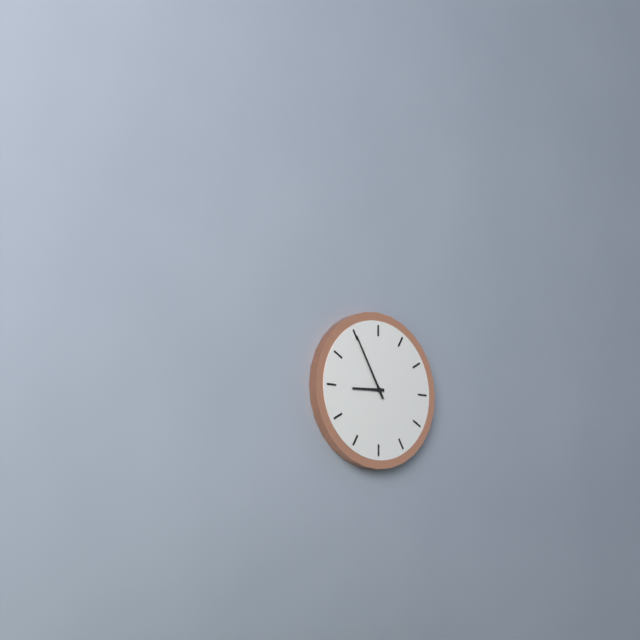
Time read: 8:55
